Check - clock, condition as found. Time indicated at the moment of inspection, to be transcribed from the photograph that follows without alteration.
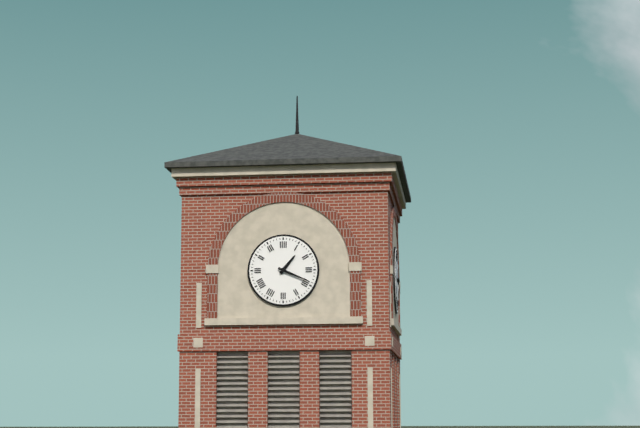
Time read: 1:19
